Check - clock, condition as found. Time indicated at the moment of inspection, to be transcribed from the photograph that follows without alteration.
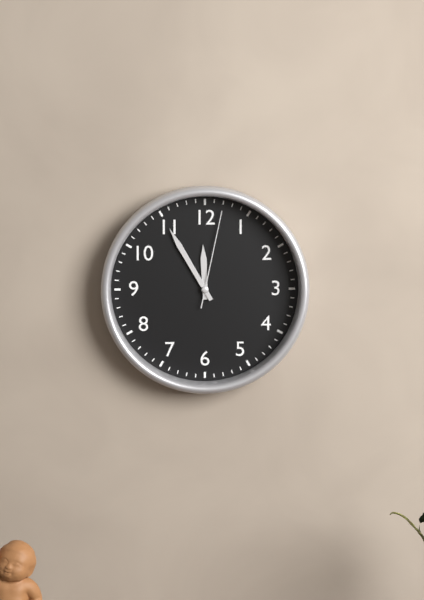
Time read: 11:55:02
